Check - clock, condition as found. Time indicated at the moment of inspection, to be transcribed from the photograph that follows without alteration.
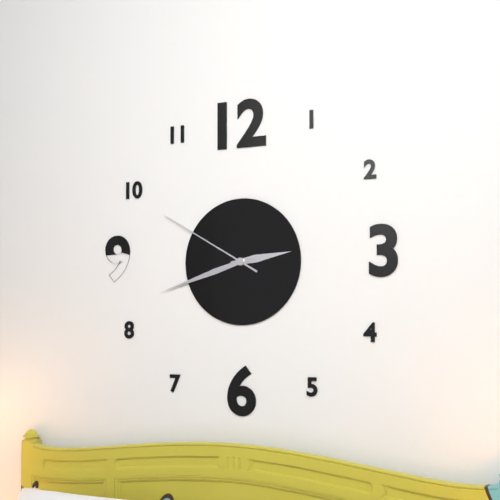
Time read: 2:42:50
